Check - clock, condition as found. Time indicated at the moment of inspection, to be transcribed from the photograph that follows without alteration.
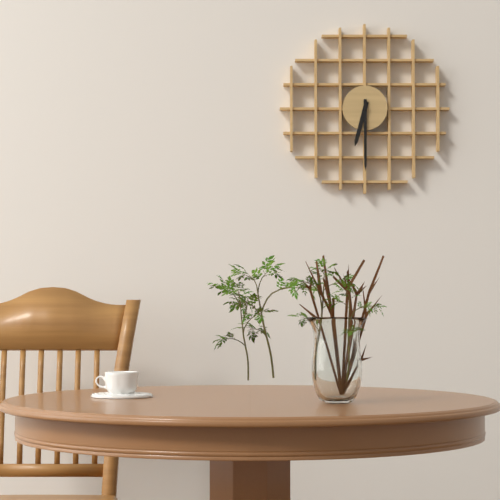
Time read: 6:30
